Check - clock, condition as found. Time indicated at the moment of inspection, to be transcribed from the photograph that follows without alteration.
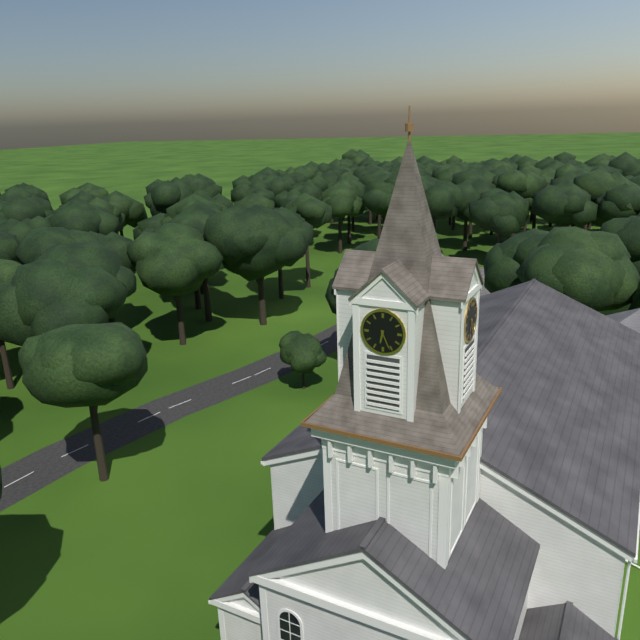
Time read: 6:26
